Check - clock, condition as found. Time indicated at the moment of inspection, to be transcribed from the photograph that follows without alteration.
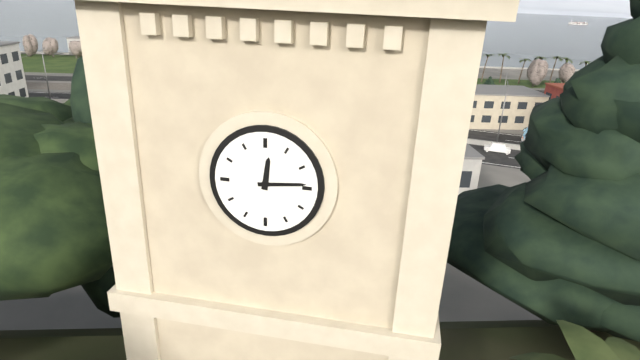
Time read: 12:14
